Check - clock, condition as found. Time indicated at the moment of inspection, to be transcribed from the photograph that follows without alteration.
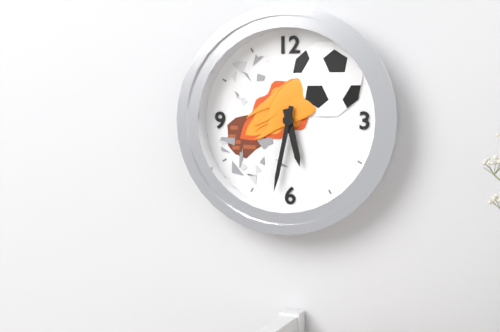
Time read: 5:32
